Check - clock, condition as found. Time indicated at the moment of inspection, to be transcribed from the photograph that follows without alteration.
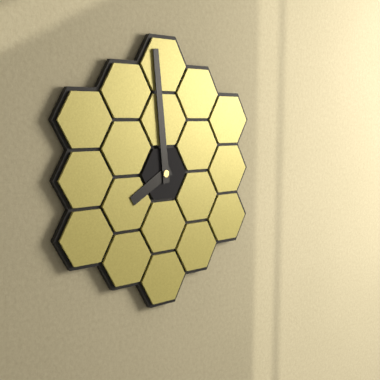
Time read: 7:59
